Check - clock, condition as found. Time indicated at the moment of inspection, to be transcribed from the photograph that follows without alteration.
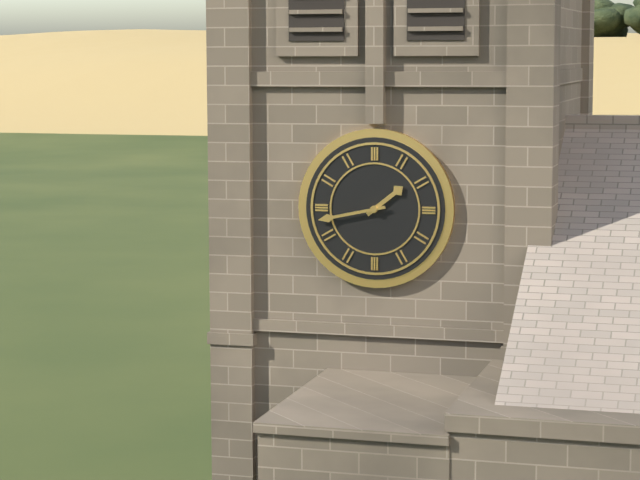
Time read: 1:43
